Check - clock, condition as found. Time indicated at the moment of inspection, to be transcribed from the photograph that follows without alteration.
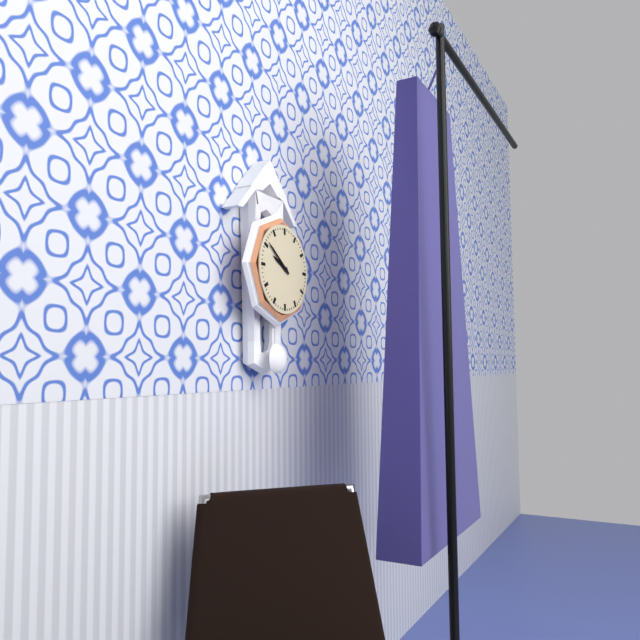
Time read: 9:51
